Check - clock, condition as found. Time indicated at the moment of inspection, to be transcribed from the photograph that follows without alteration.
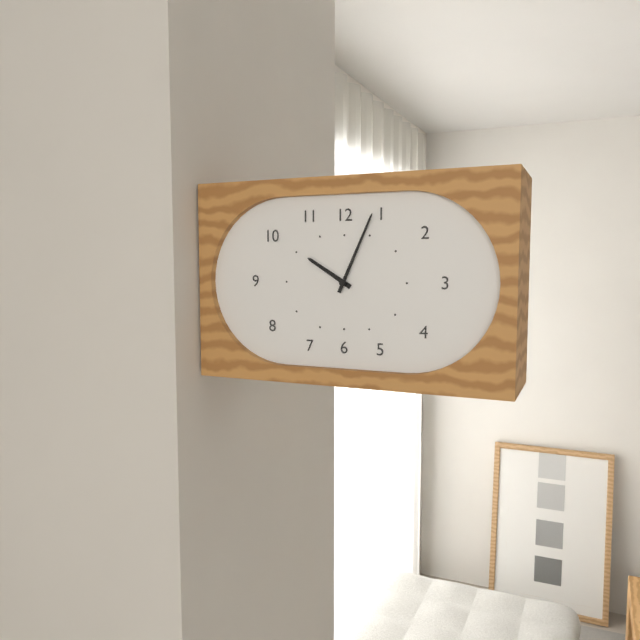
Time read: 10:04
